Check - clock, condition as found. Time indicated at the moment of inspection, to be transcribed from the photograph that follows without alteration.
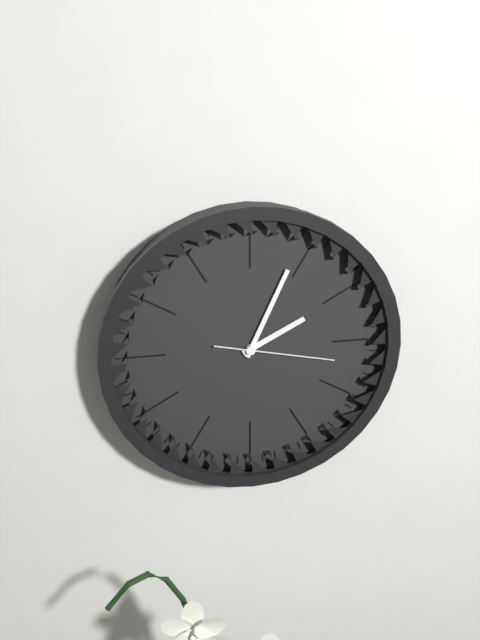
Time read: 2:04:17
